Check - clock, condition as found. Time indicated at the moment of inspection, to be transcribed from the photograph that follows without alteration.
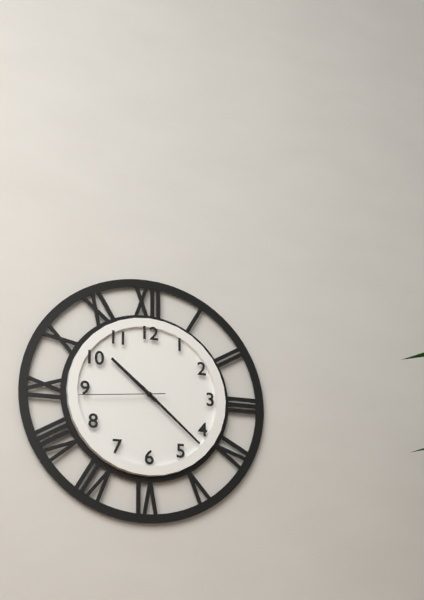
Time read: 10:22:44
